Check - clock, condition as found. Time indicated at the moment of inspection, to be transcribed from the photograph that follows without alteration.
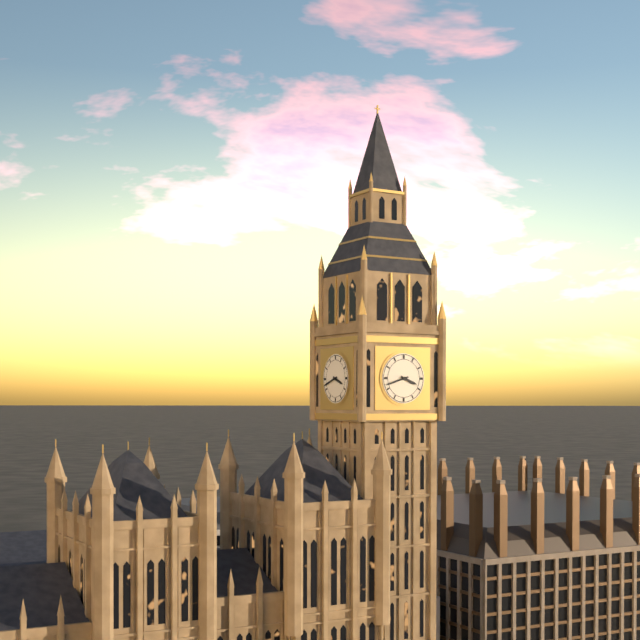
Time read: 3:42
